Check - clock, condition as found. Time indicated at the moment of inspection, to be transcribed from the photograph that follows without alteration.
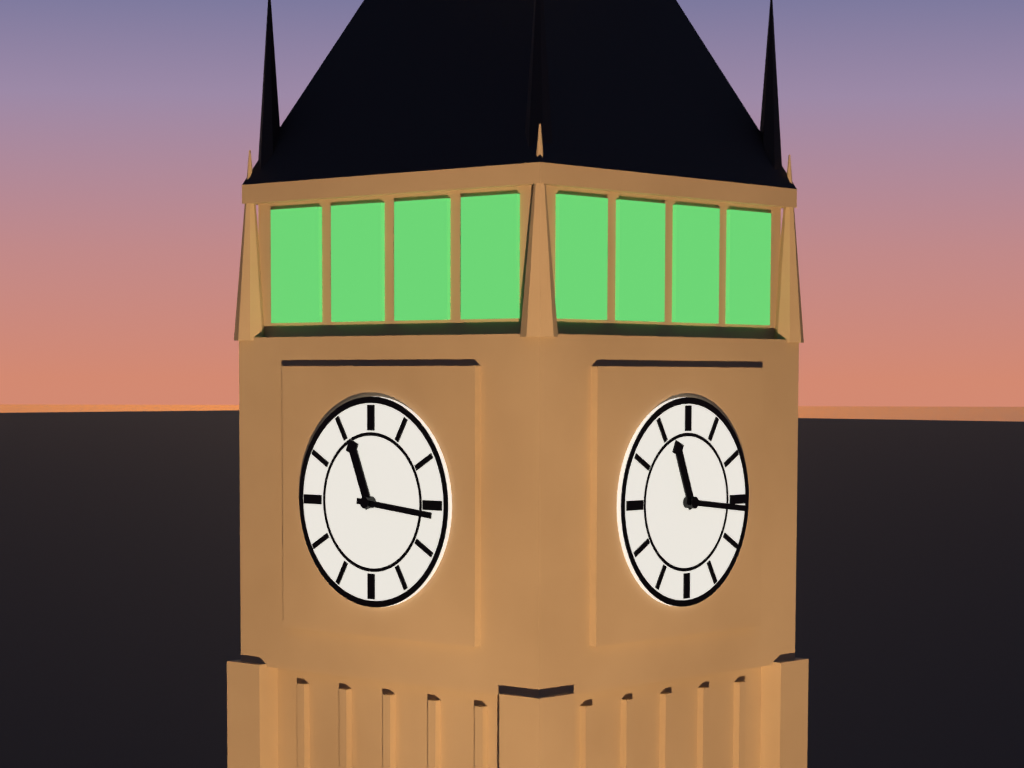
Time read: 11:16
